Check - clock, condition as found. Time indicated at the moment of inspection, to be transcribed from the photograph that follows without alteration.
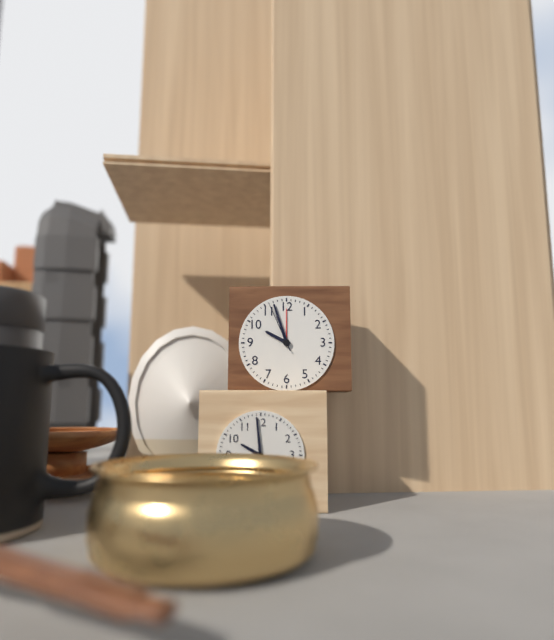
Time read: 9:57:56
